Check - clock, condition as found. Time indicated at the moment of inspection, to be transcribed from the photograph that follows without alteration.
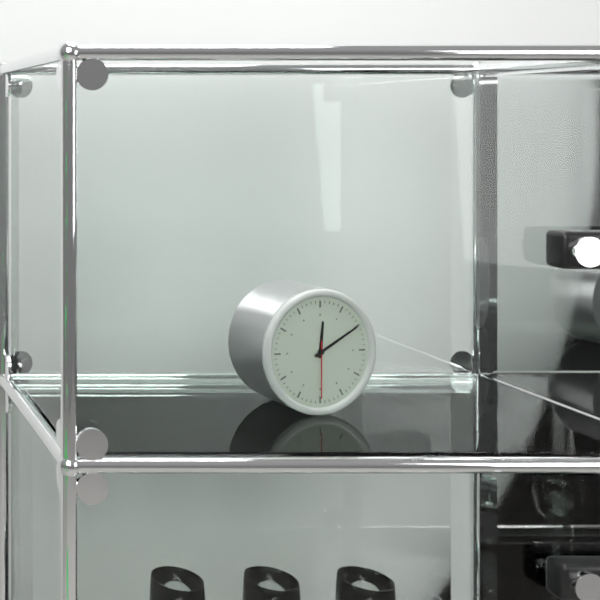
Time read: 12:10:30
